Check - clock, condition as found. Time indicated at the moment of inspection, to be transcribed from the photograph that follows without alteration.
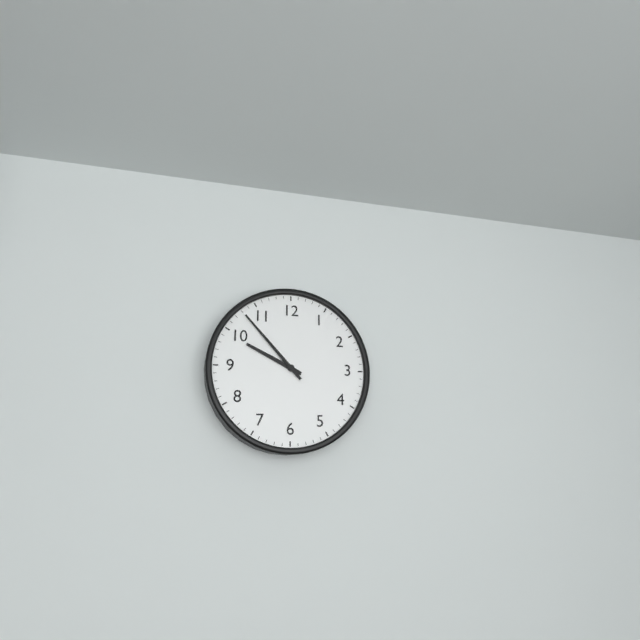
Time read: 9:53
